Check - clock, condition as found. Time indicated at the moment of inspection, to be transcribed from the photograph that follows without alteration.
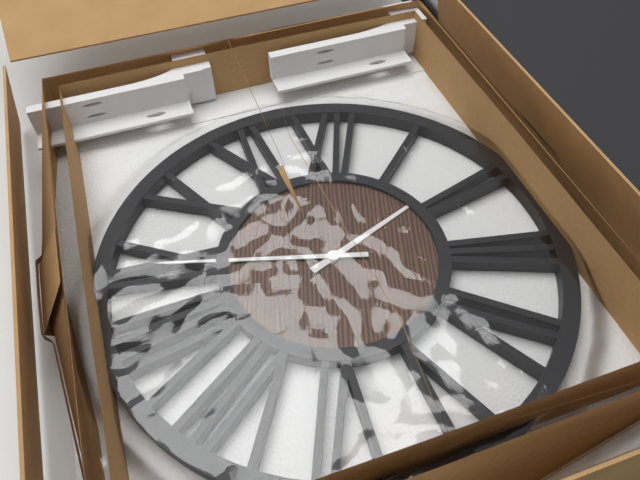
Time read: 1:45
